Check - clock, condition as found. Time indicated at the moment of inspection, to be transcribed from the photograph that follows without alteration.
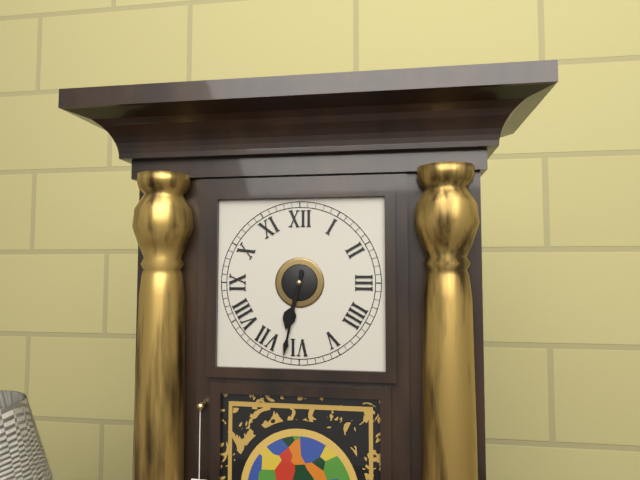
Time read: 6:32
